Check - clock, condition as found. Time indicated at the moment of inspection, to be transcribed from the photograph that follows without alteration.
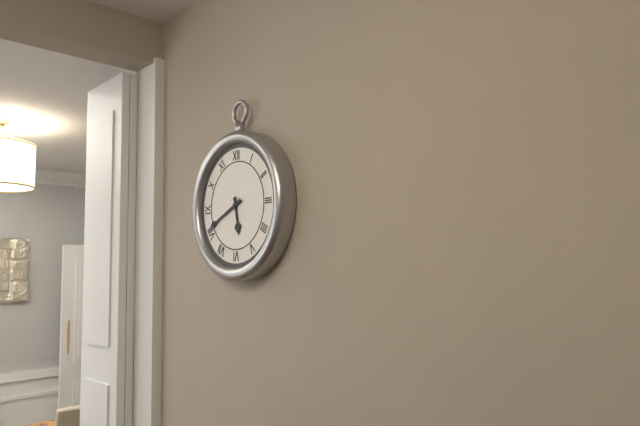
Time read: 5:41
